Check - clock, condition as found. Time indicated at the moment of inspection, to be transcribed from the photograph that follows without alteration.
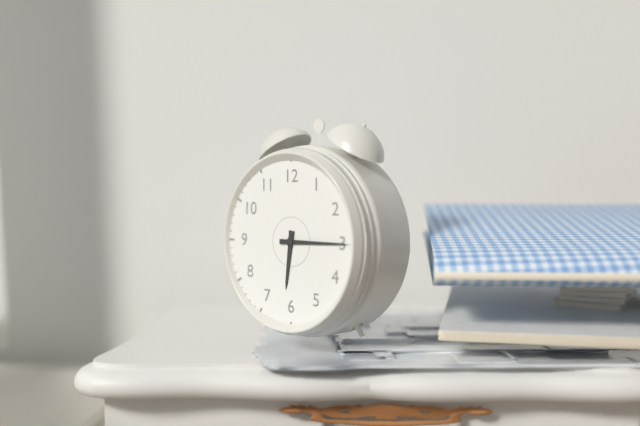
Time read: 6:15
